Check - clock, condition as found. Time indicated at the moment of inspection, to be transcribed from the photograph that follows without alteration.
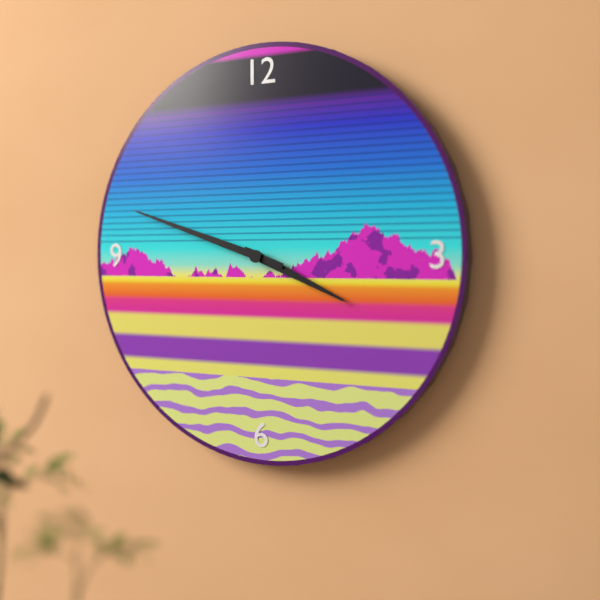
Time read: 3:48
